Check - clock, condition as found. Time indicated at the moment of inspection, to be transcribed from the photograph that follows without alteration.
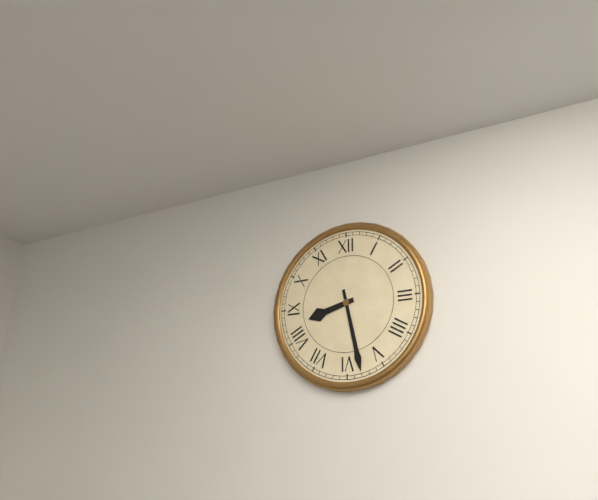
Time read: 8:28
